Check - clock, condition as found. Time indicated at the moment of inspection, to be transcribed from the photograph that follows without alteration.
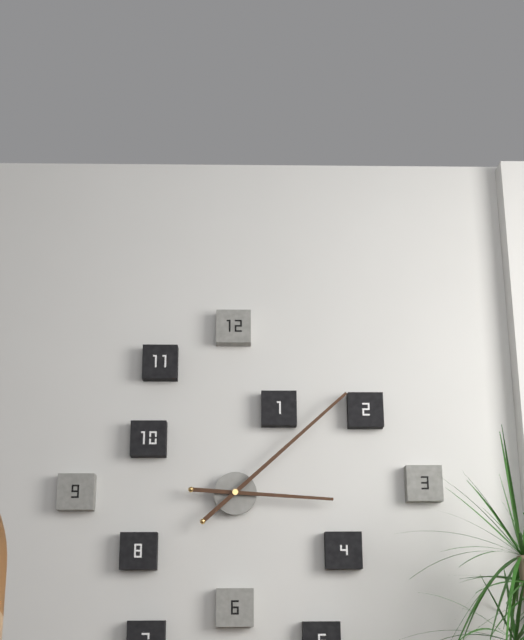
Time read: 3:08
